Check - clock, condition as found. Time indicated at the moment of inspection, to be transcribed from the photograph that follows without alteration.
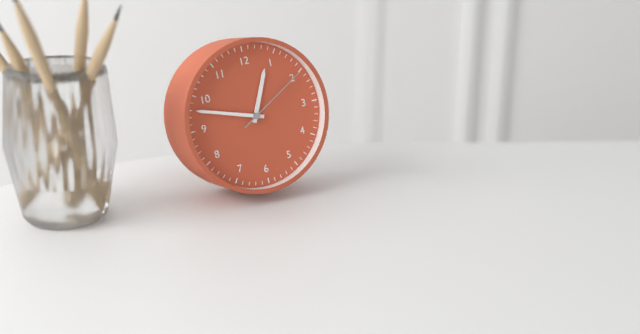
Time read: 12:48:10
